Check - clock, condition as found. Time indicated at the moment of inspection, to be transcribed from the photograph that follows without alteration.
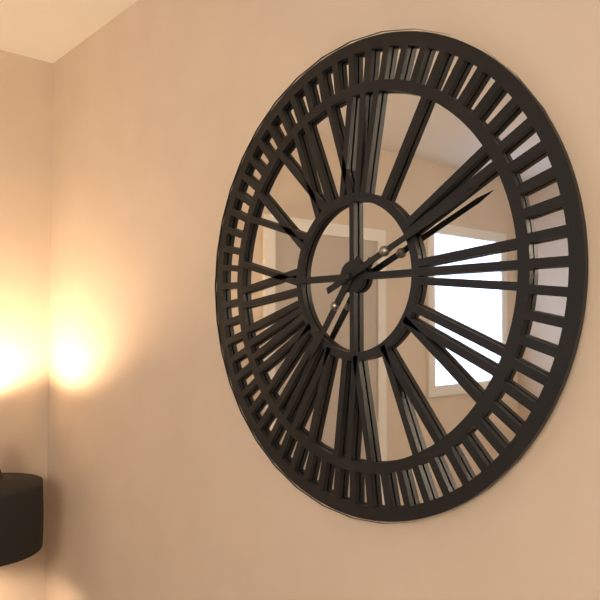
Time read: 7:11
